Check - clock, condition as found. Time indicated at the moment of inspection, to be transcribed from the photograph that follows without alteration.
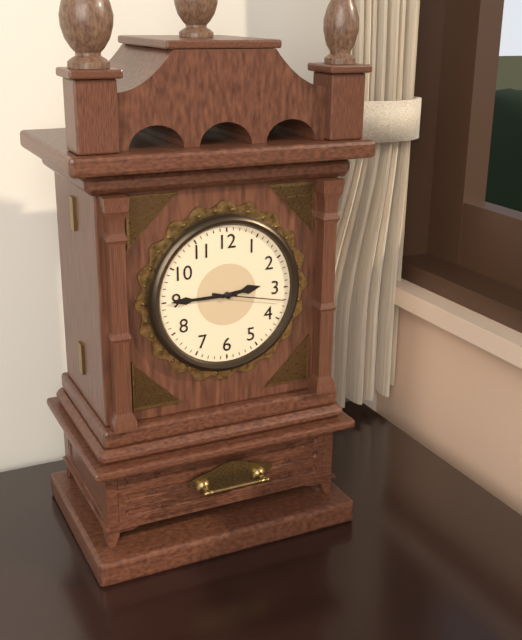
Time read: 2:45:17
